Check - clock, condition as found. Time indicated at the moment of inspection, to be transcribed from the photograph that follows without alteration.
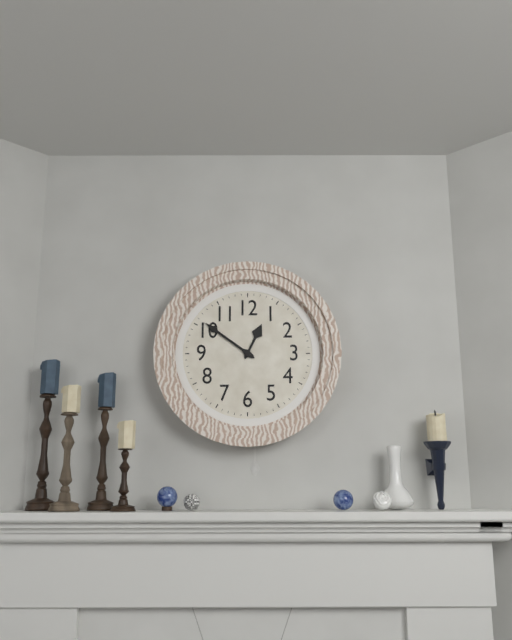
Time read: 12:51
